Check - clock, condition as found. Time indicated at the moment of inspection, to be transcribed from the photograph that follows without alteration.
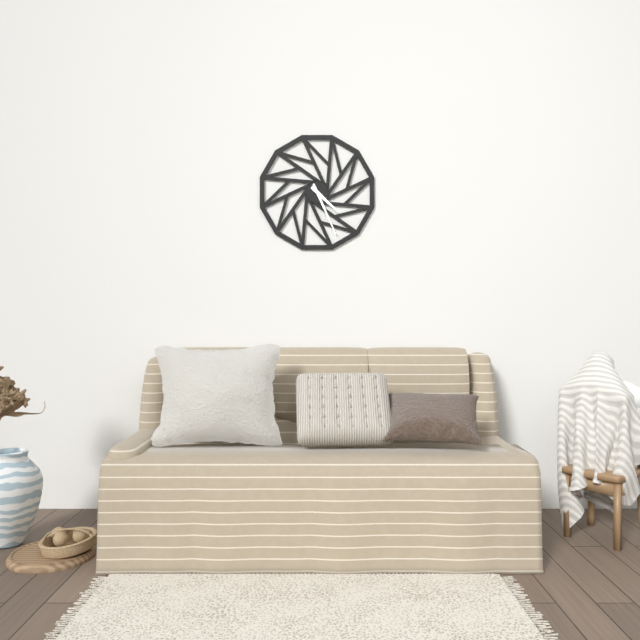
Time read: 4:26
